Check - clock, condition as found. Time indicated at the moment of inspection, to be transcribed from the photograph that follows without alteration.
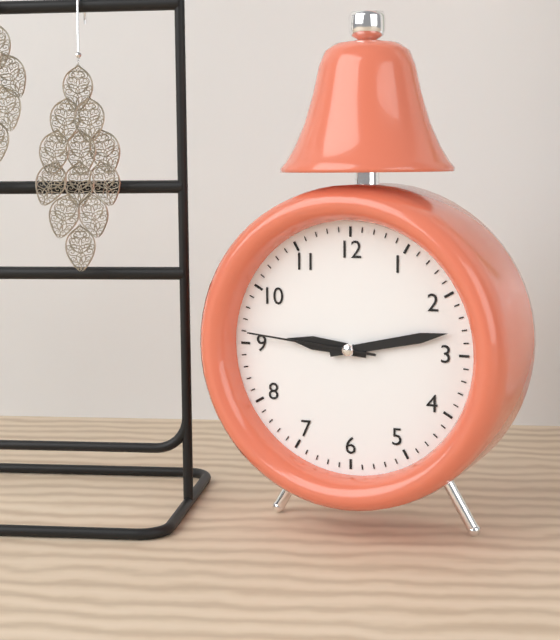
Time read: 9:13:46
